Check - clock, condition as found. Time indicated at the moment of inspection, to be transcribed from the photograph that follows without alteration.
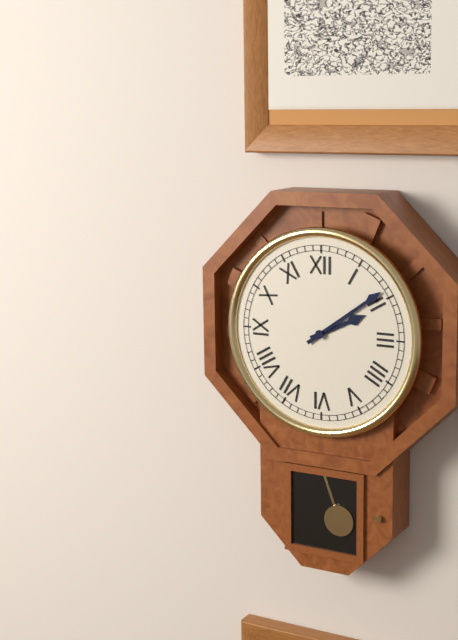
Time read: 2:09
